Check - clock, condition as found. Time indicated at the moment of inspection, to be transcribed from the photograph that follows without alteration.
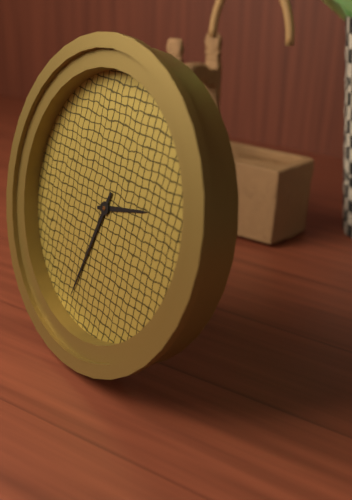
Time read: 2:33
